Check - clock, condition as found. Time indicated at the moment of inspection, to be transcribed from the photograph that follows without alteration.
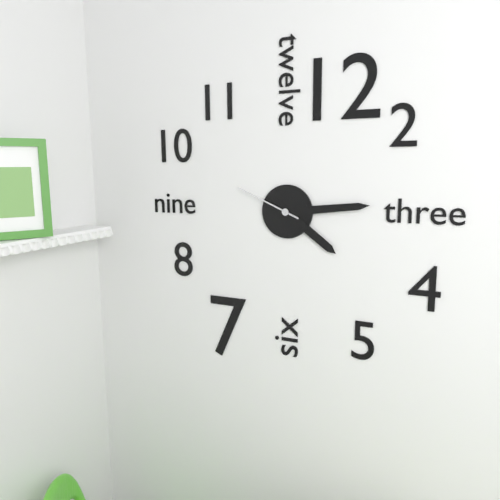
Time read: 4:14:49
